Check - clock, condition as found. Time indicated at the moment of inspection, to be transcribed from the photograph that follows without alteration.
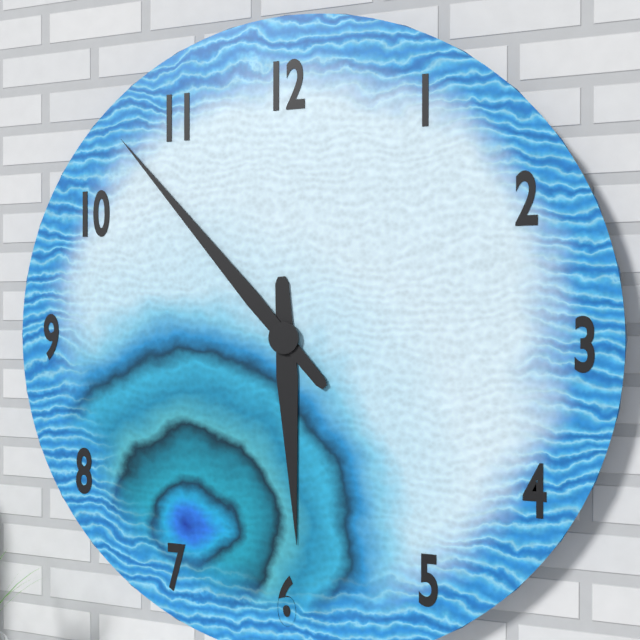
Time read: 5:53
